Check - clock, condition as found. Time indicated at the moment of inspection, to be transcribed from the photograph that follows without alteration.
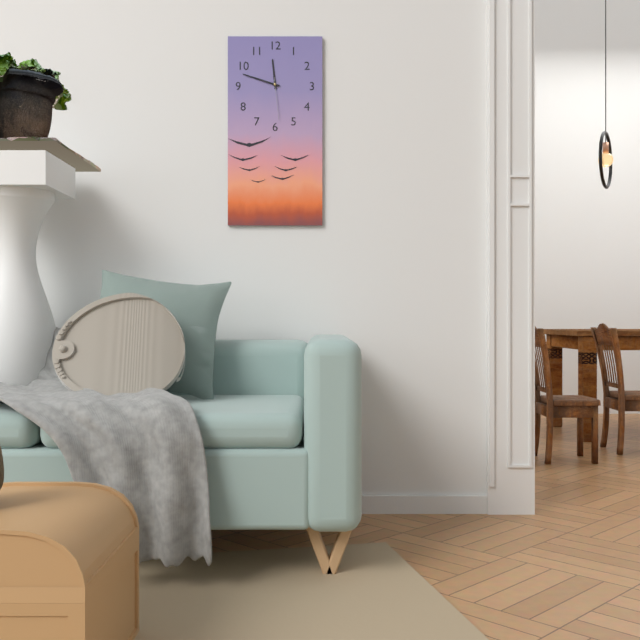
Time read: 11:48
